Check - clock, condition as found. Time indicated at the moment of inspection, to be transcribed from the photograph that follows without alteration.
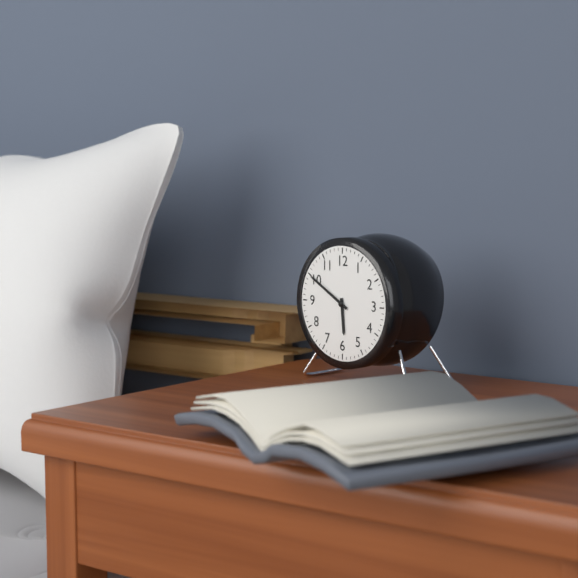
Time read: 5:50
